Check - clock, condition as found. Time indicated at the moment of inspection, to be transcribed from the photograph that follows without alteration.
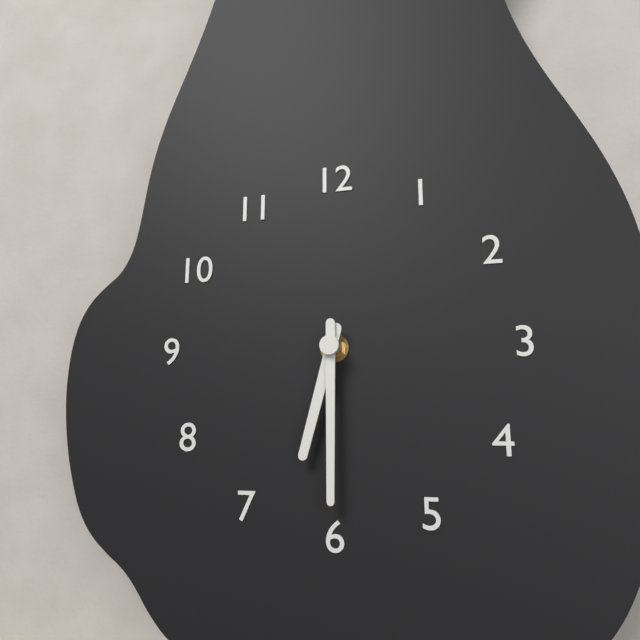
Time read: 6:30
